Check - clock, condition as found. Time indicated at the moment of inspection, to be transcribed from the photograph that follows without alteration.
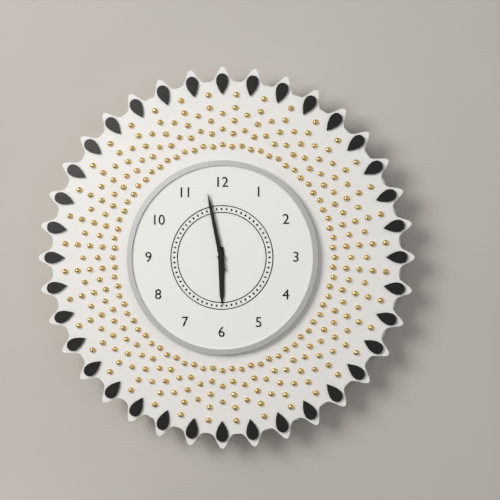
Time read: 5:58
